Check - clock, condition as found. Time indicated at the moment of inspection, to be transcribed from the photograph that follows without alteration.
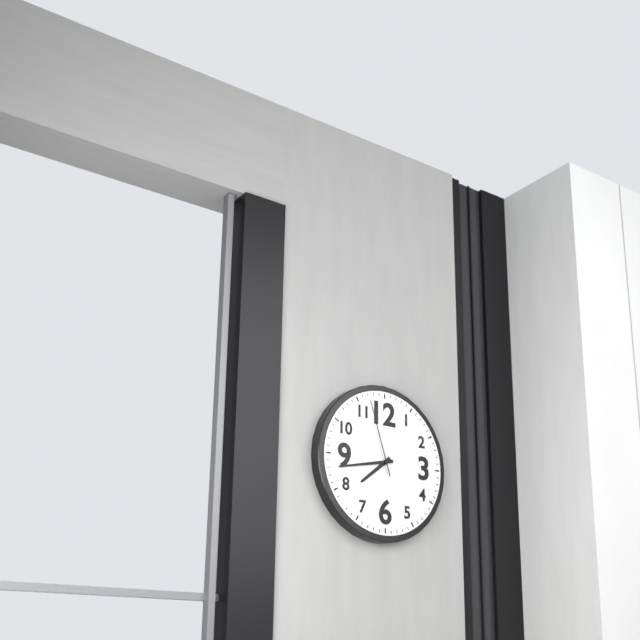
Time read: 7:43:57
